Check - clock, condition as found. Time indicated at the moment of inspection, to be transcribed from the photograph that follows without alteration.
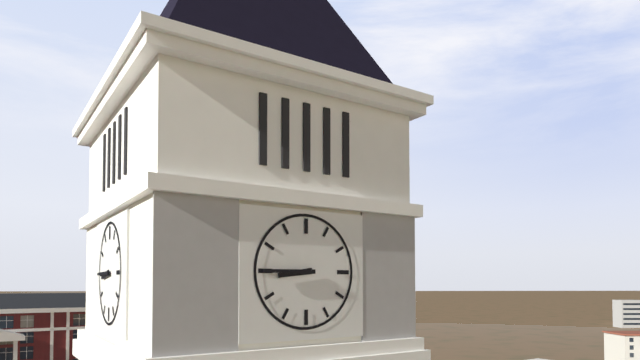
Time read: 8:45
